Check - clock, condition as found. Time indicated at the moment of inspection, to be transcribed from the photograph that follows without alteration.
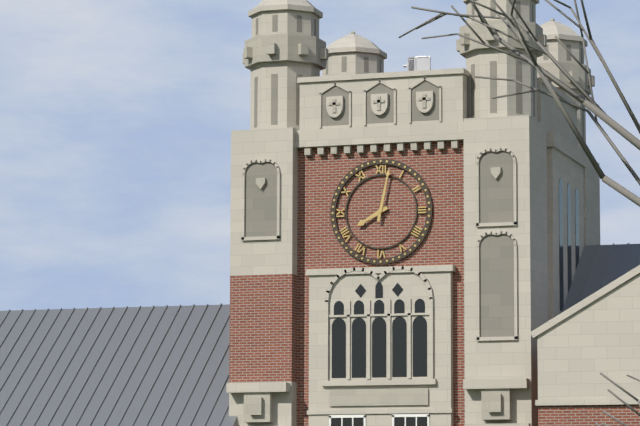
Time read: 8:02
